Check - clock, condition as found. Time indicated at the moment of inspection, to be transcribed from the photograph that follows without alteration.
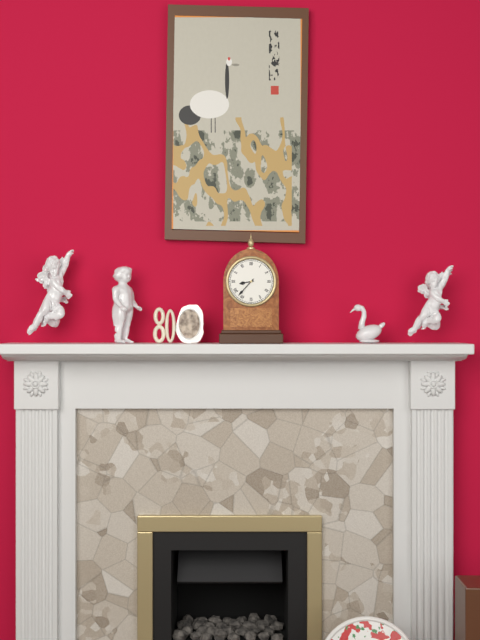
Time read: 8:37
